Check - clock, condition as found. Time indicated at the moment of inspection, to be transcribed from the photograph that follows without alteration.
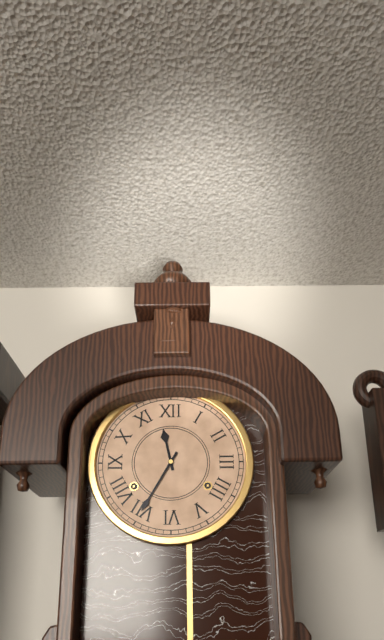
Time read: 11:35
